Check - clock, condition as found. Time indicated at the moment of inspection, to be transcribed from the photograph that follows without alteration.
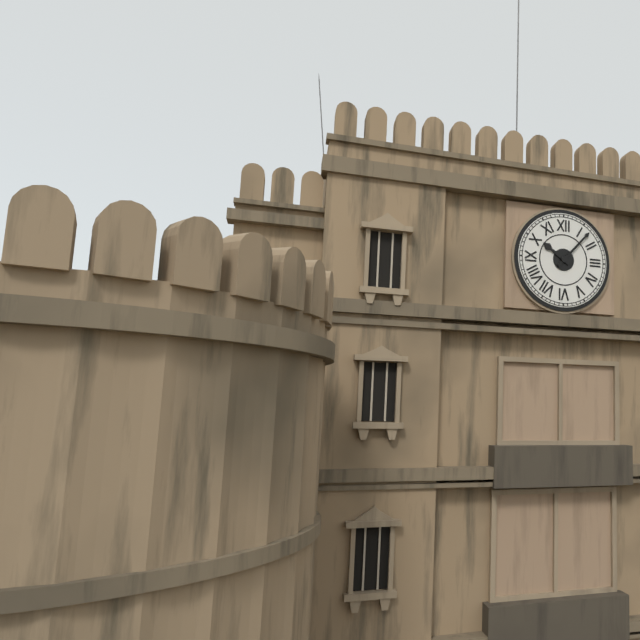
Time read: 10:07
